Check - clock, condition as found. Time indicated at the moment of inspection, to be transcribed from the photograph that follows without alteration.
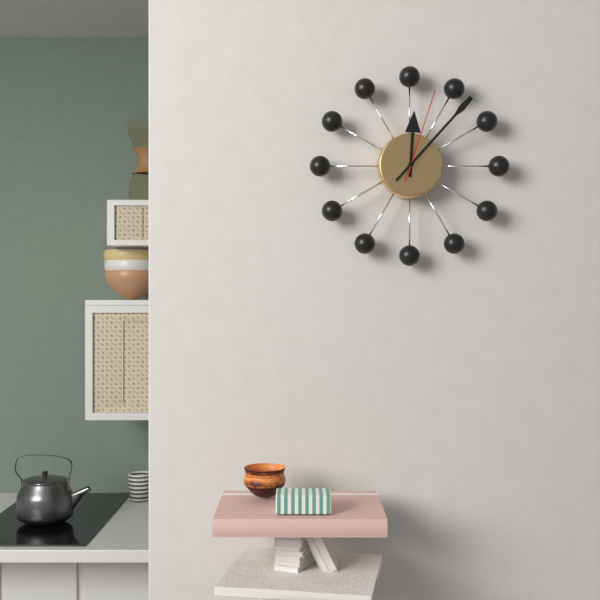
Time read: 12:07:03
